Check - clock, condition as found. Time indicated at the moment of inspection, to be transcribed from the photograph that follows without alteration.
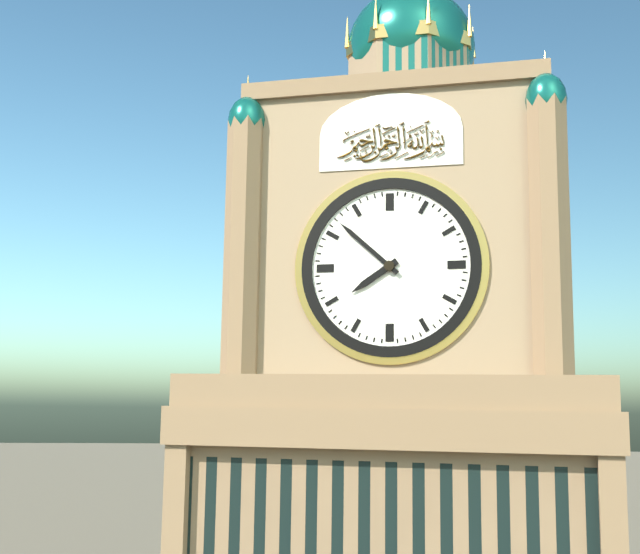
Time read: 7:52
